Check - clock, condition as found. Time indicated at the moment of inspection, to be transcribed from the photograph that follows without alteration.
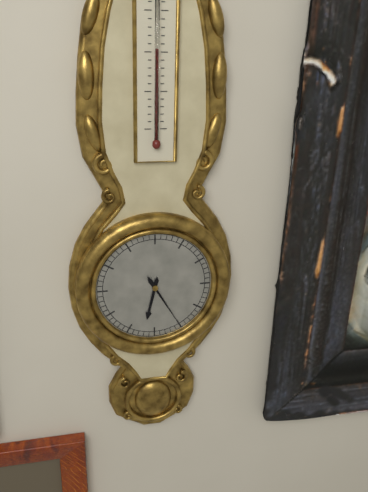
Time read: 6:25
